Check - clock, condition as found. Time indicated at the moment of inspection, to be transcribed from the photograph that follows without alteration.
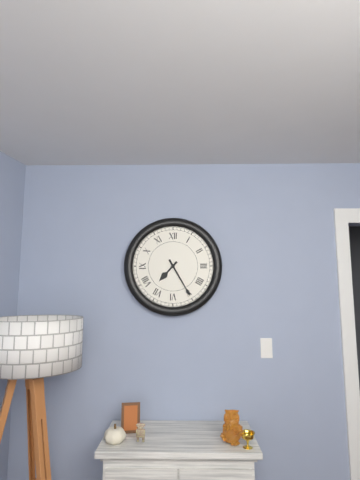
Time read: 7:25
